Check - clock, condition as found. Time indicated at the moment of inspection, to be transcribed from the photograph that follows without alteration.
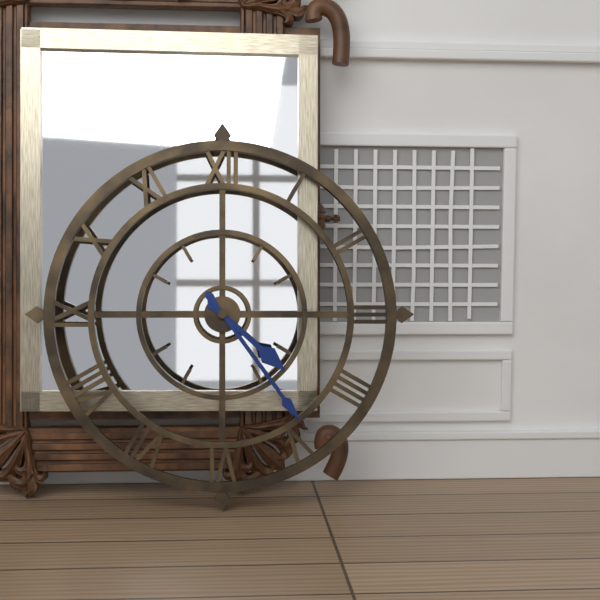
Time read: 4:24
